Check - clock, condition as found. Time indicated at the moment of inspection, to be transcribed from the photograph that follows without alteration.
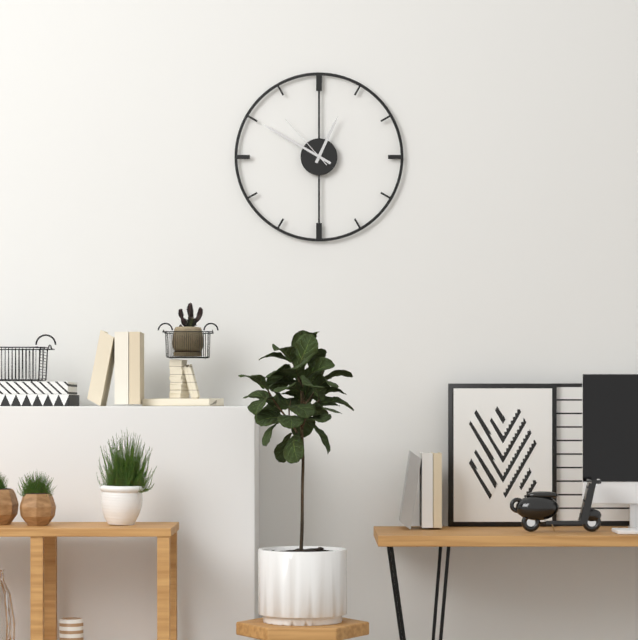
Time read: 12:50:53
